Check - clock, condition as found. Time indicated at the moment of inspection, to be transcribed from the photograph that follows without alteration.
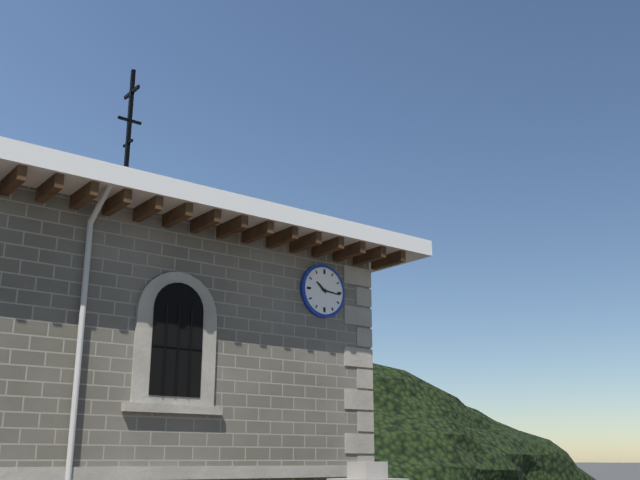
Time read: 10:16
